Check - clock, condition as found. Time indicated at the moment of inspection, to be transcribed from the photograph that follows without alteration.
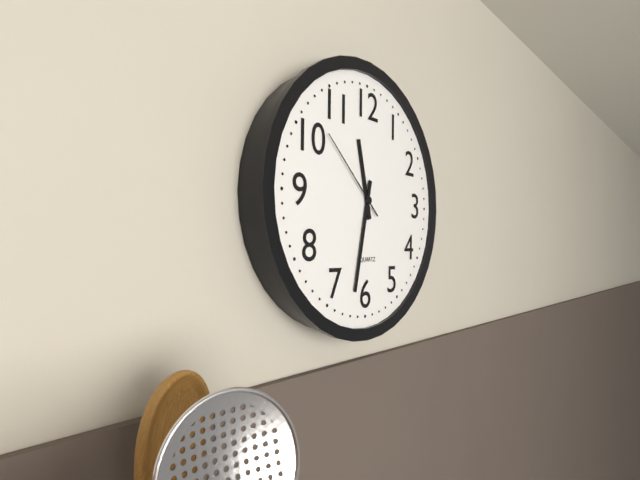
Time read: 11:32:52
